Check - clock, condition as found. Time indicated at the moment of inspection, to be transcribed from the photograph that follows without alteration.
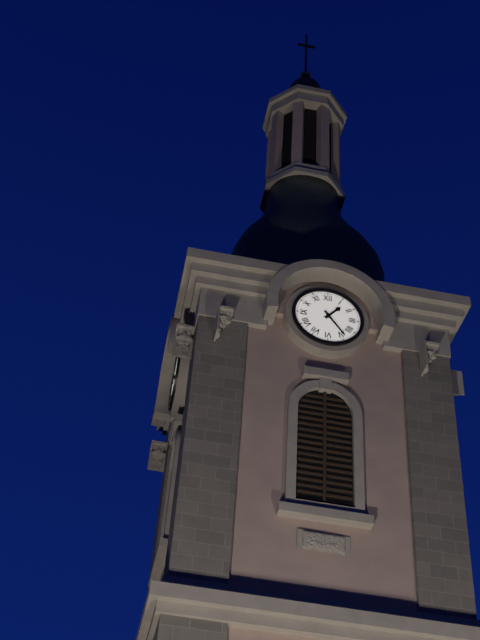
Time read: 1:24
